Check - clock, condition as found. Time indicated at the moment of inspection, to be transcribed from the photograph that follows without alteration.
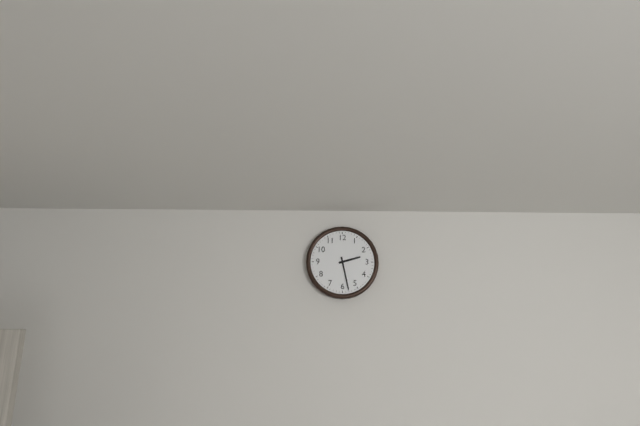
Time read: 2:28
